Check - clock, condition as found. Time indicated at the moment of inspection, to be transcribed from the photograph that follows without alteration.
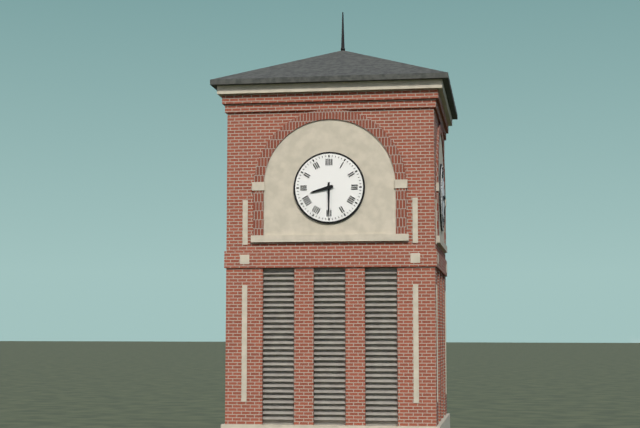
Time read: 8:30
